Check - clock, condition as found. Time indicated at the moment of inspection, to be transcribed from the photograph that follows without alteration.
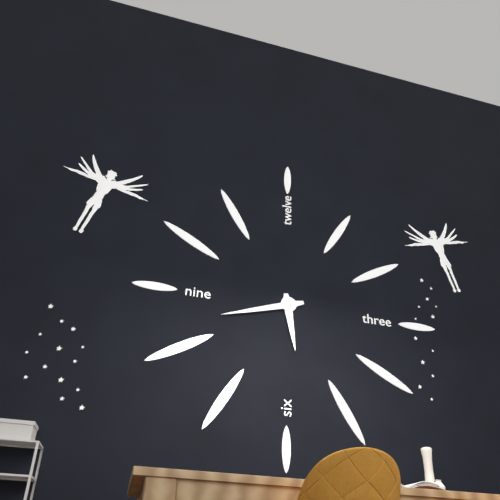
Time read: 5:42
